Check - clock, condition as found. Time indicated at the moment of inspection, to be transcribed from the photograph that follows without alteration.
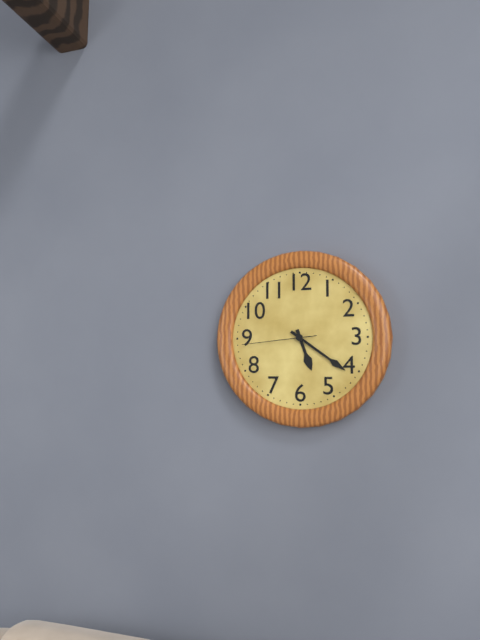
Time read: 5:21:44
